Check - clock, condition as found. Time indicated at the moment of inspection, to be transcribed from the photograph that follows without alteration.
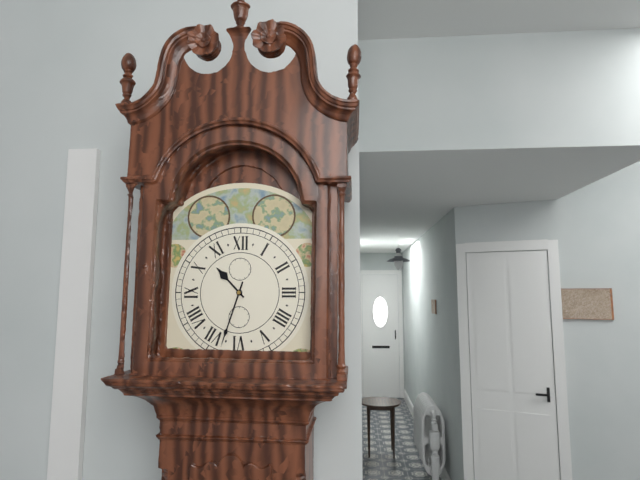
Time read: 10:33
